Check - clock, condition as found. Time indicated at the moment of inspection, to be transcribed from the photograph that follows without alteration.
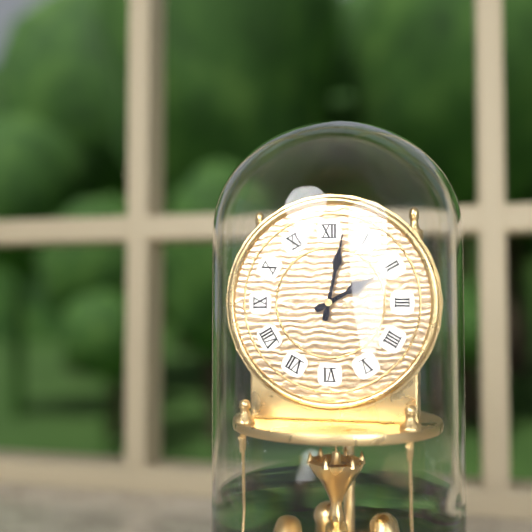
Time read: 2:02
